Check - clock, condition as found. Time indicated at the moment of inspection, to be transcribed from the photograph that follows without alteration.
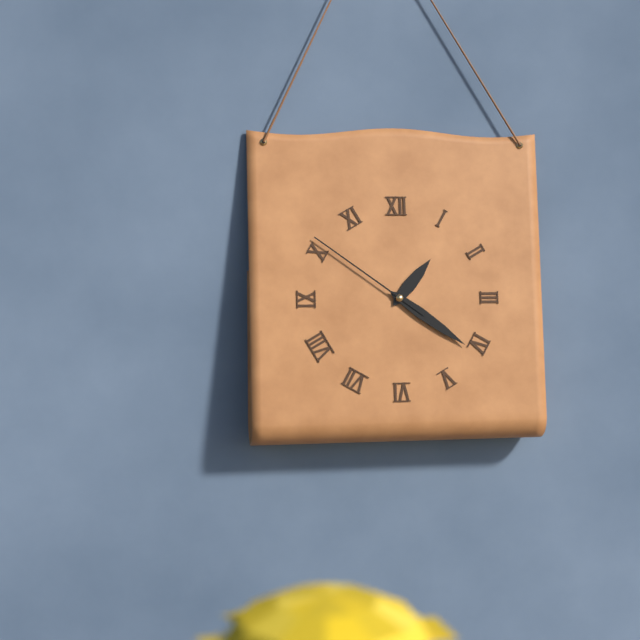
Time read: 1:21:51
